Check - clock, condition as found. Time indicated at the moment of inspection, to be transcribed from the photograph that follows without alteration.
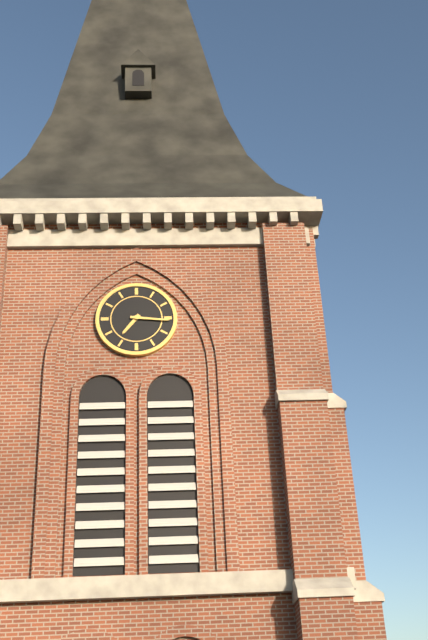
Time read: 7:16
